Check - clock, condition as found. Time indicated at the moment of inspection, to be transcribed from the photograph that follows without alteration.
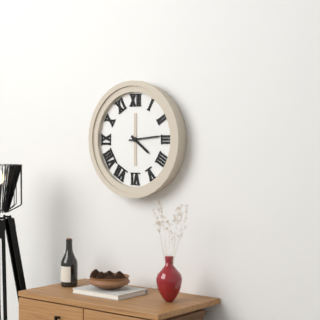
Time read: 4:14
